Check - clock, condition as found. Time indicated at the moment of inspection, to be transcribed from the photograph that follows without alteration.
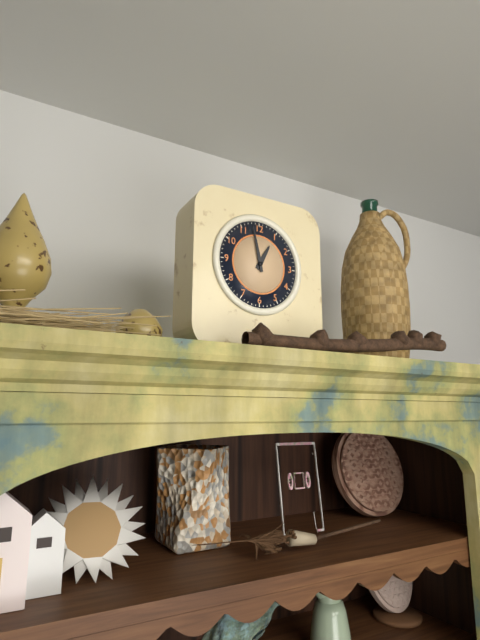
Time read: 12:58
